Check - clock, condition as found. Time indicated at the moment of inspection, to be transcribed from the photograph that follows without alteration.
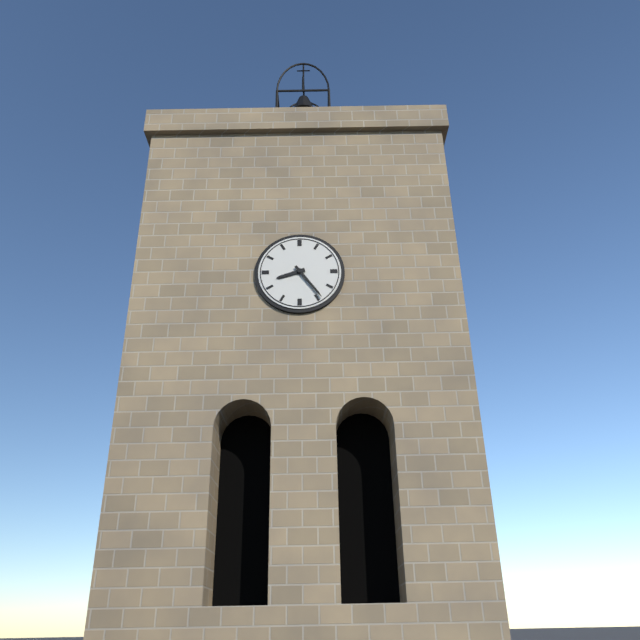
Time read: 8:24
